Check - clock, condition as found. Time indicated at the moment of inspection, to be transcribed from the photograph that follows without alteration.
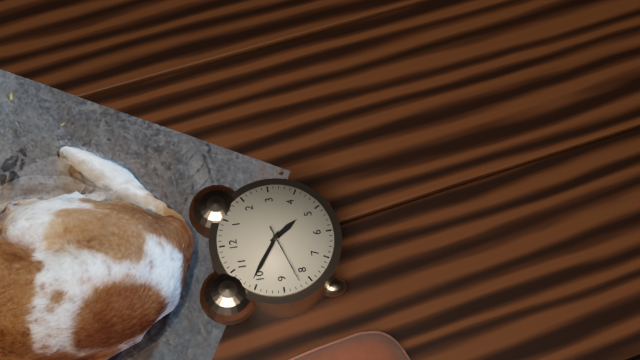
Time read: 4:51:42
